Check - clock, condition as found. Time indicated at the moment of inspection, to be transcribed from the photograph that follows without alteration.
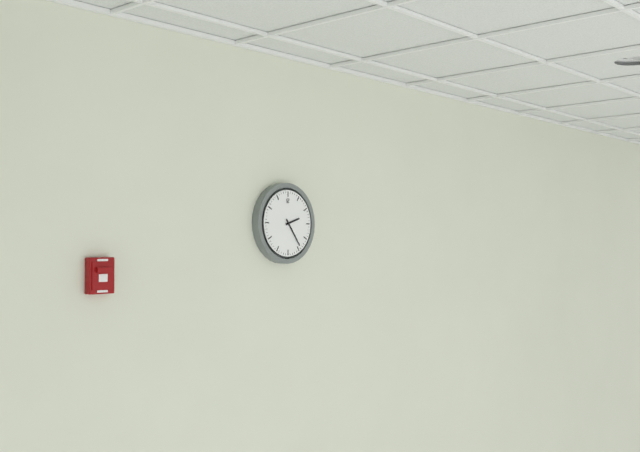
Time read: 2:24
